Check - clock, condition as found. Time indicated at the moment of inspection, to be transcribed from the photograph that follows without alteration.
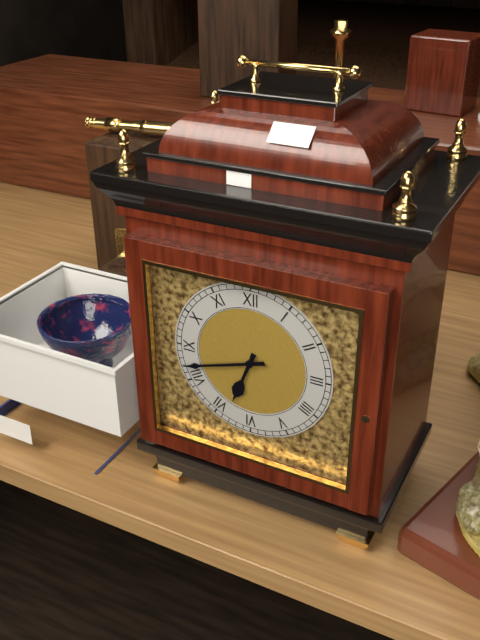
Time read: 6:42
